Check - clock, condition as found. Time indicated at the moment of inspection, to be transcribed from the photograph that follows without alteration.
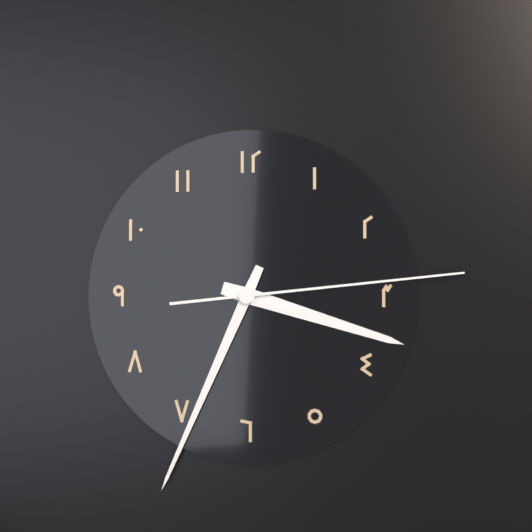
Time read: 3:34:14
